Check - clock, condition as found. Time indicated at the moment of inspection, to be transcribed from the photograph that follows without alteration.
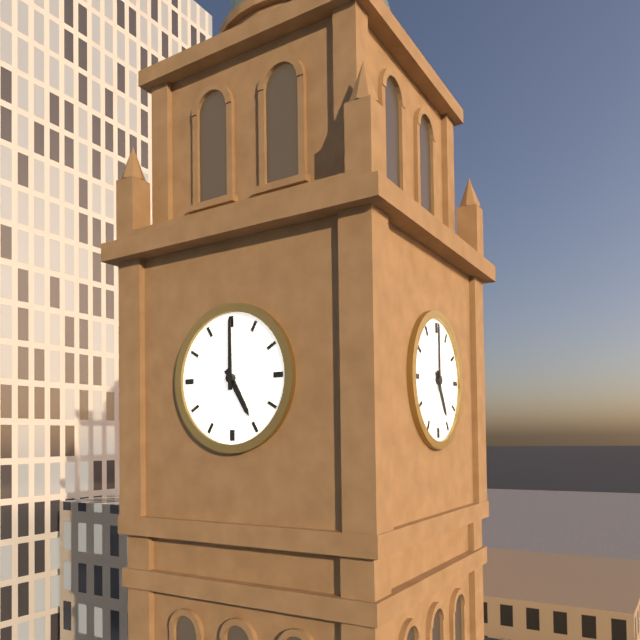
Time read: 5:00
